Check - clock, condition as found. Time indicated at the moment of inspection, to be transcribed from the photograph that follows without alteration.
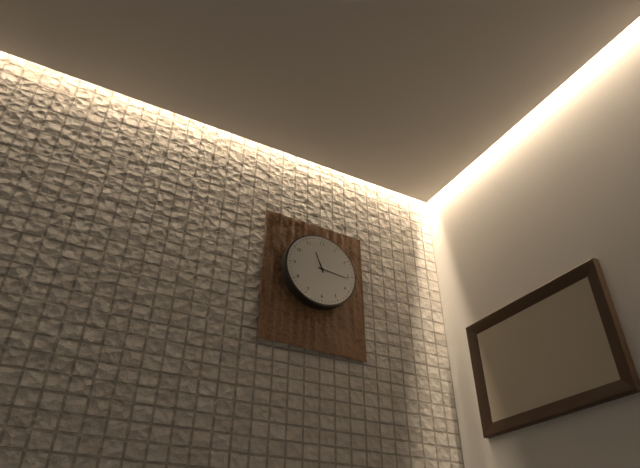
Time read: 11:16
